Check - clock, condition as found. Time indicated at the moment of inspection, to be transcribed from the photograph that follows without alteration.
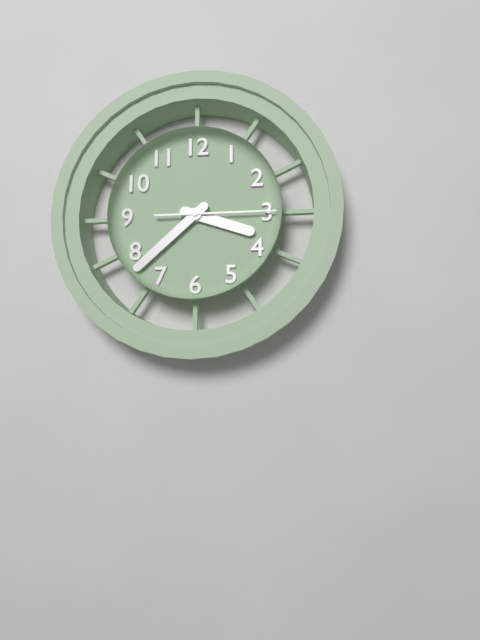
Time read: 3:38:15
